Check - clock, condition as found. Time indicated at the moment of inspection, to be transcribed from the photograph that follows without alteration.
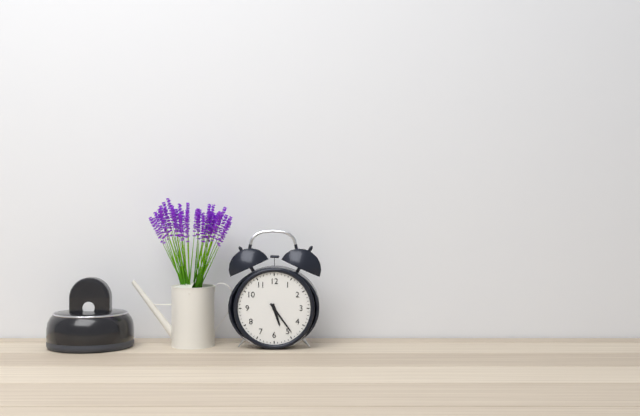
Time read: 5:24
